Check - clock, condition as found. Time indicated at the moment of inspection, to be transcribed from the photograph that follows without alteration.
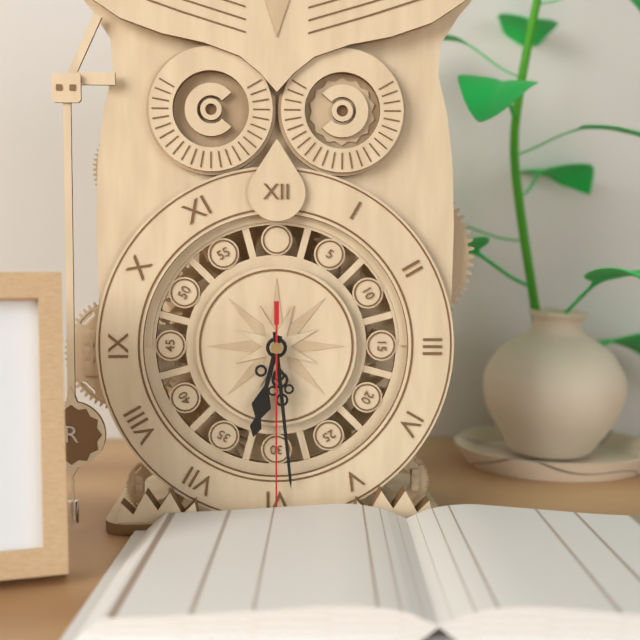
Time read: 6:29:30
